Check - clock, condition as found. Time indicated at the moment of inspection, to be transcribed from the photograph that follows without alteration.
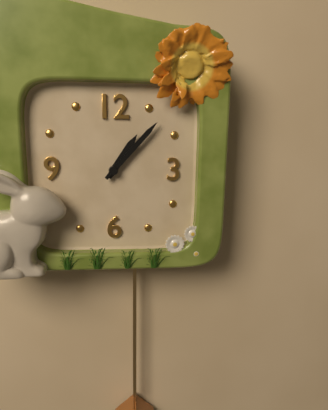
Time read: 1:07
